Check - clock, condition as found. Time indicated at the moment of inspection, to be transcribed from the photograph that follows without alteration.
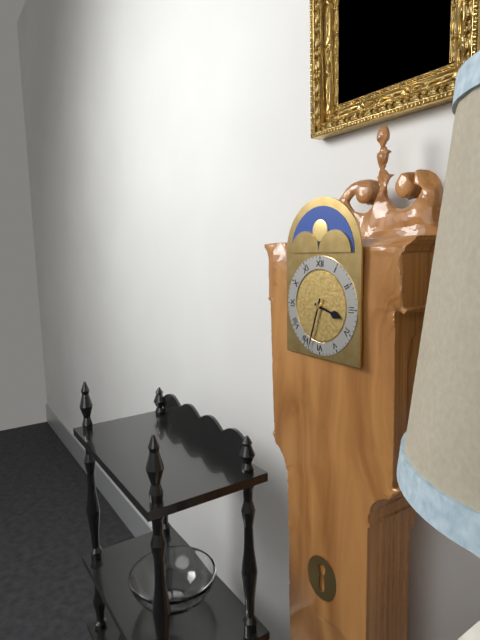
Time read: 3:33
